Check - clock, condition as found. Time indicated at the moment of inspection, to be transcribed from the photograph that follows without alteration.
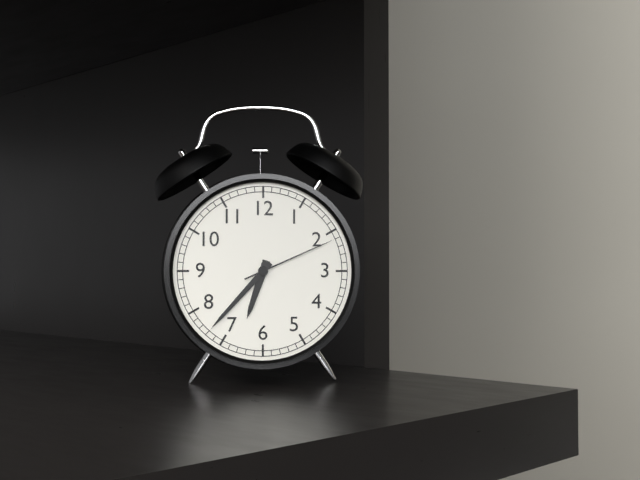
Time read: 6:37:11
